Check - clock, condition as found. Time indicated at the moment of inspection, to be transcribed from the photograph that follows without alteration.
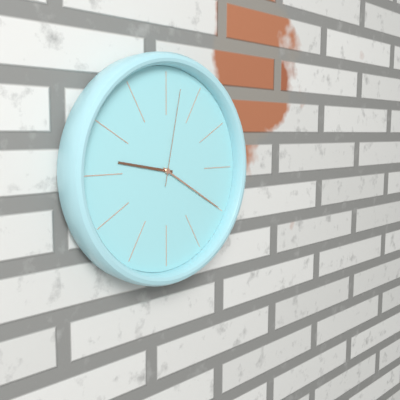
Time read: 9:20:02
